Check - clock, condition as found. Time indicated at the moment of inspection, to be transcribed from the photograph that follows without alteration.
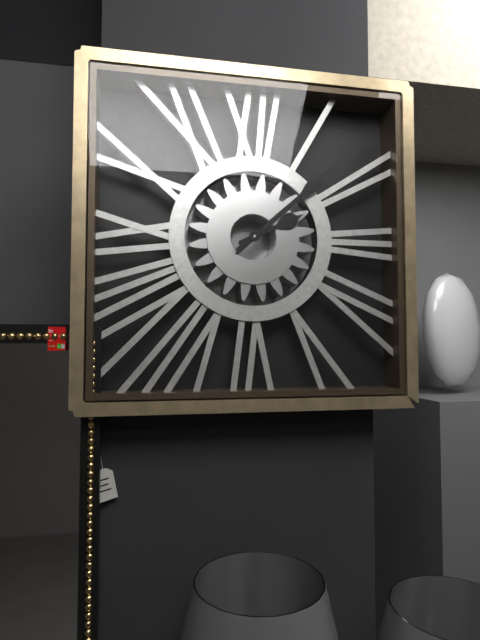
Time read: 2:08
